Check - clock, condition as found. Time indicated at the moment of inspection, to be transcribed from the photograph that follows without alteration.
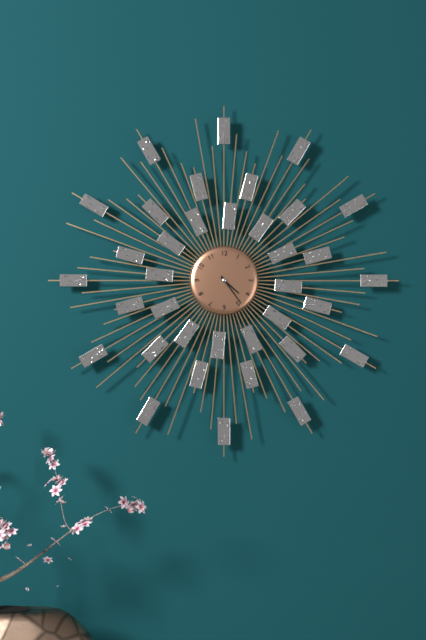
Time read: 4:24
